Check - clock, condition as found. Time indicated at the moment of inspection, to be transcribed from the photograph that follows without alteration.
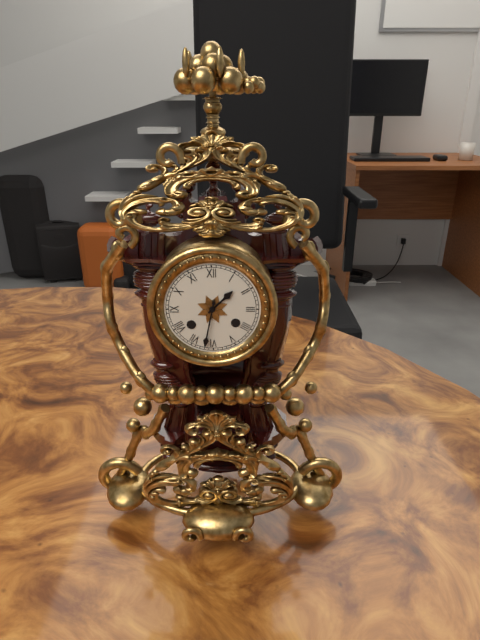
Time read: 1:32
